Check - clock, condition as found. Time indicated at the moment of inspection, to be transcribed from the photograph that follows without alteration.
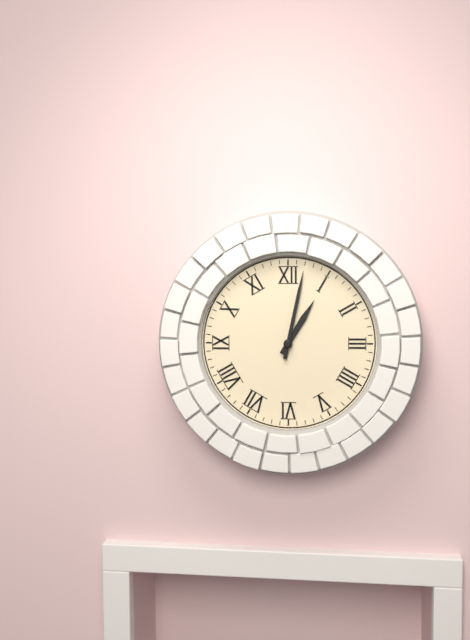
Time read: 1:02
